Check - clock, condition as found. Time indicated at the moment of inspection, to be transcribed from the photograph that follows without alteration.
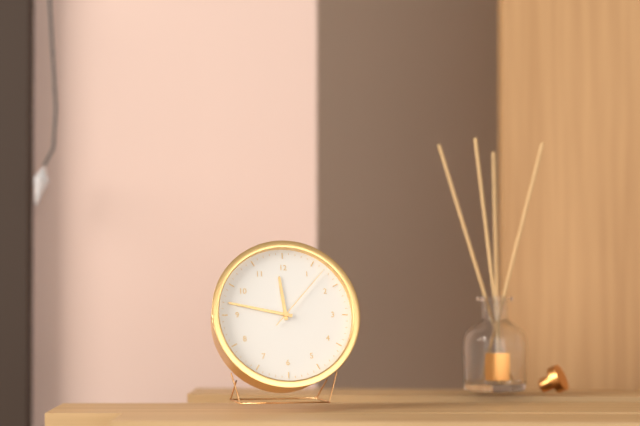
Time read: 11:47:07
